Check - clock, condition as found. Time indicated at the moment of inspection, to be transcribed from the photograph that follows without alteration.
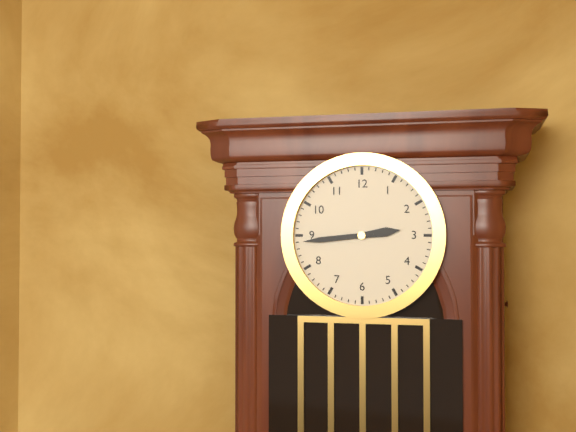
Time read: 2:44
